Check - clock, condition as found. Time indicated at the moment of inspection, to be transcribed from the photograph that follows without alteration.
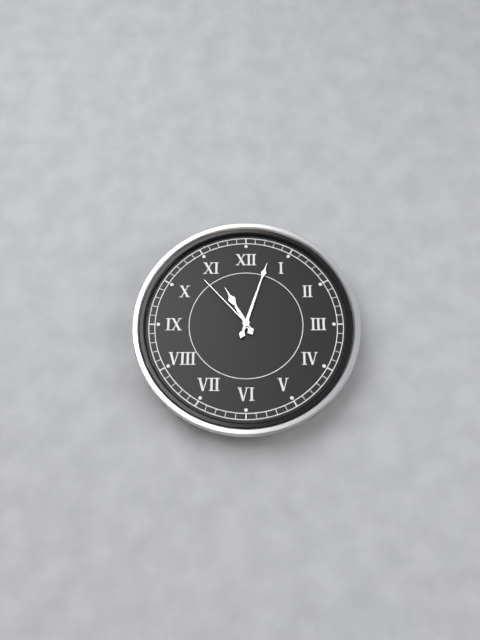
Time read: 11:03:53
